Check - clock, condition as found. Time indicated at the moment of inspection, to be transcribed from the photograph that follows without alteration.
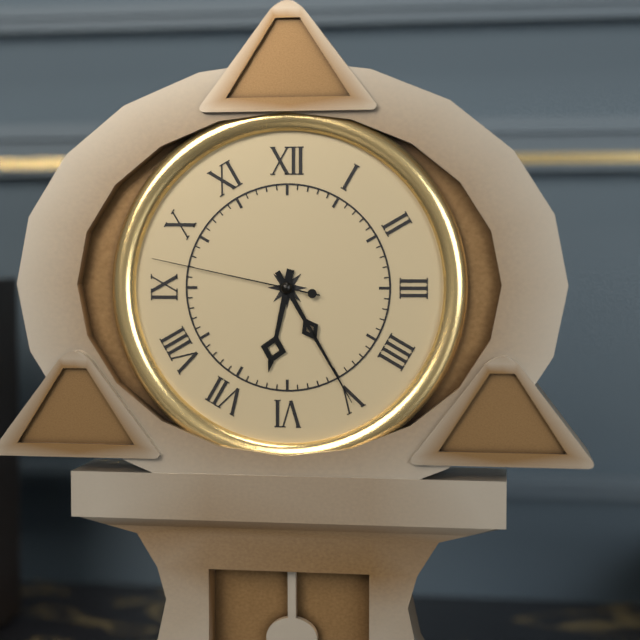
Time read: 6:25:47
